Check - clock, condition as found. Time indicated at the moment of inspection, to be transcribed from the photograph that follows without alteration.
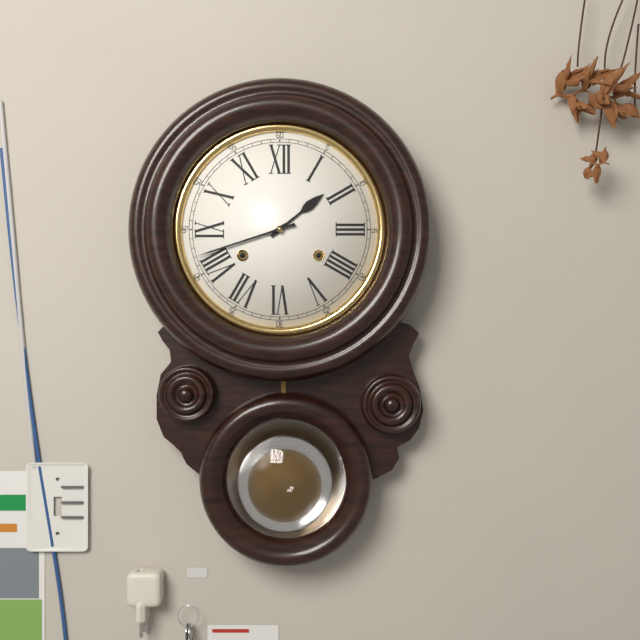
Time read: 1:42
